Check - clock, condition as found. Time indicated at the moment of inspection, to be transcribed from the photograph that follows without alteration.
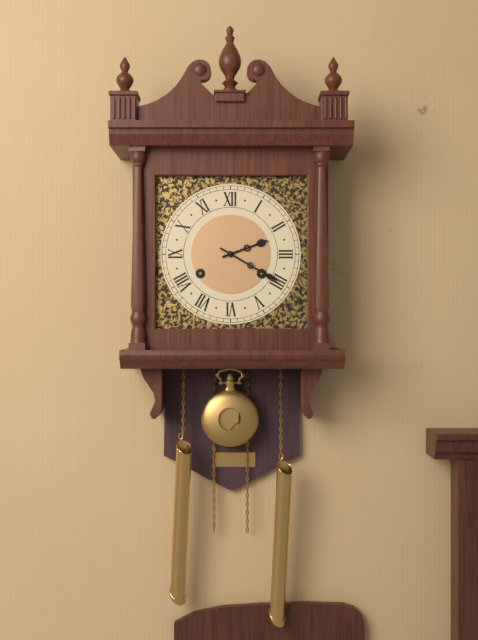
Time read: 2:20
